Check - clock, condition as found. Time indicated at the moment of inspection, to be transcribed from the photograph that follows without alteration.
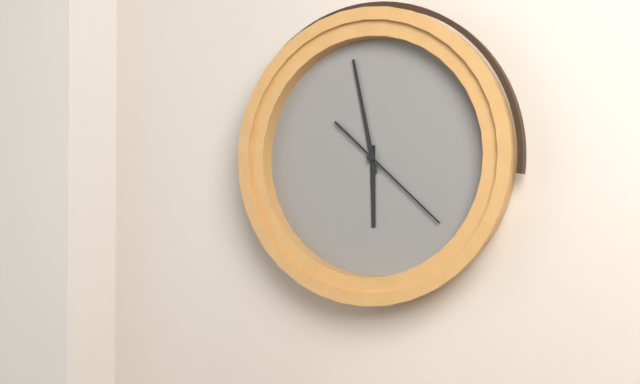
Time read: 5:58:22
